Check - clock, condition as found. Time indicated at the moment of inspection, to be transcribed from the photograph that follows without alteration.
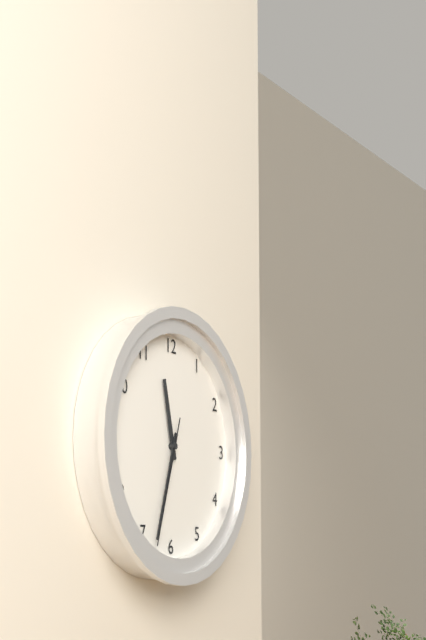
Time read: 11:33:33
